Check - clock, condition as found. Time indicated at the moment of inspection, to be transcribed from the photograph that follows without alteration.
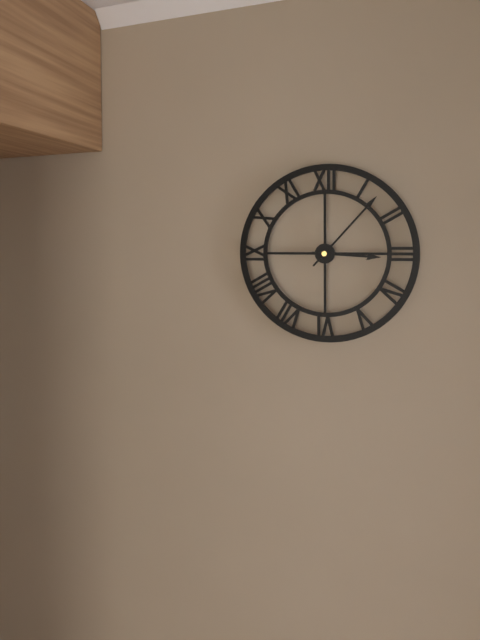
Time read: 3:07
